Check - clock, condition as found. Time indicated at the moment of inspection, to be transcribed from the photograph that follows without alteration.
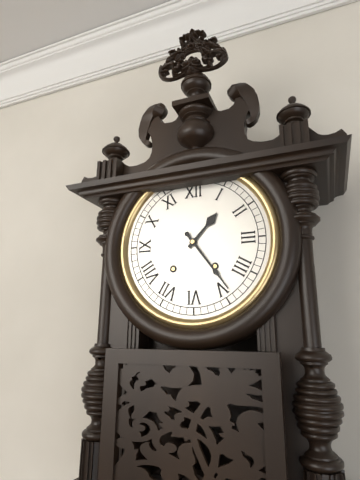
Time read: 1:24
